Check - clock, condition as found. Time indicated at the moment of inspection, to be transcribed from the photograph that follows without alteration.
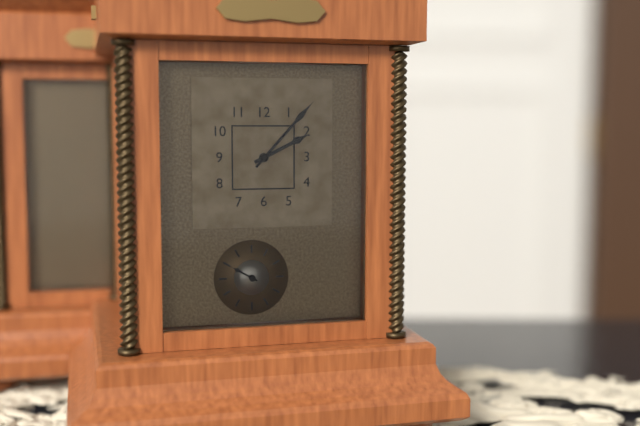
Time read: 2:07
